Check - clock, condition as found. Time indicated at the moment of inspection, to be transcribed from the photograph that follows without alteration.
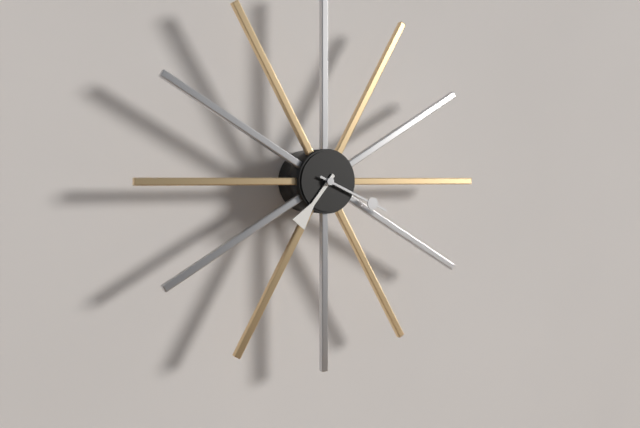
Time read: 7:19
